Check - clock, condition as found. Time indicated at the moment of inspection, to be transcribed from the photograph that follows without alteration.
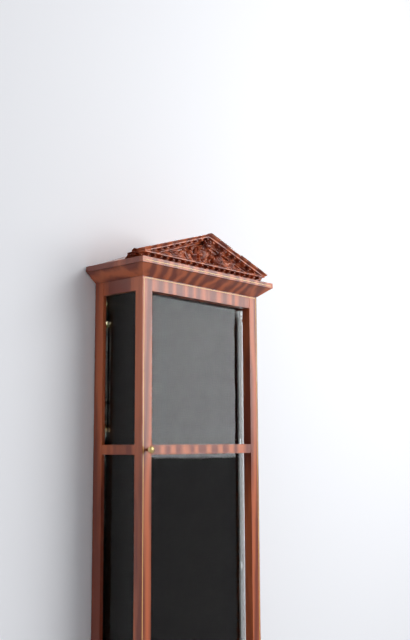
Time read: 2:05:05
